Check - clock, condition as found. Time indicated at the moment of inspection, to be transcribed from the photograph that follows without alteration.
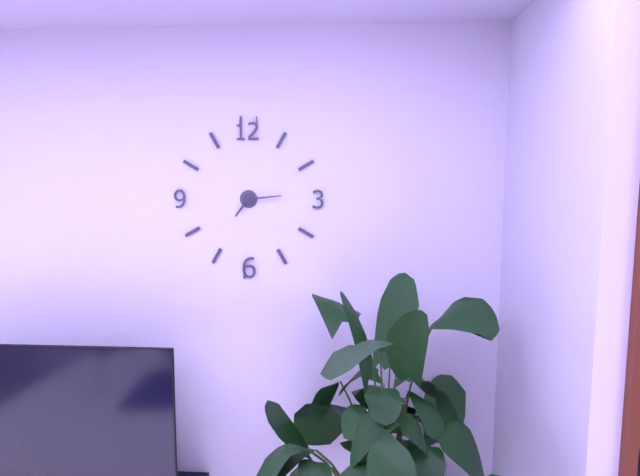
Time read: 7:14
